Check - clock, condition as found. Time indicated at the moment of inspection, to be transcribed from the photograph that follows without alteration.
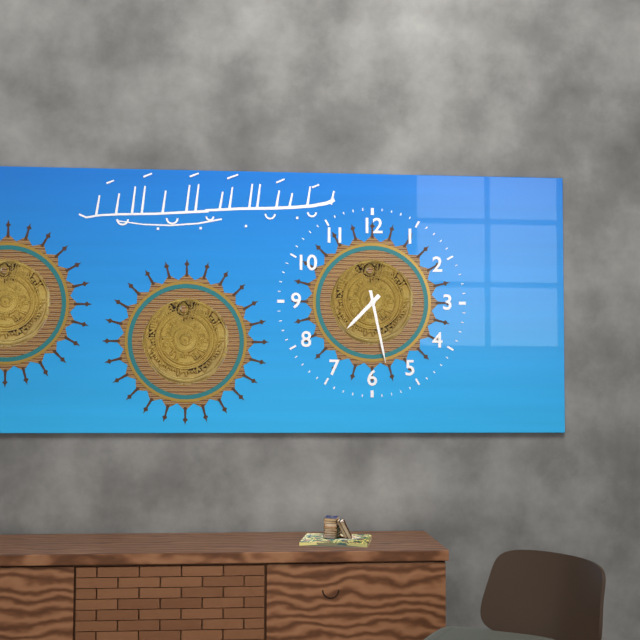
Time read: 7:28
